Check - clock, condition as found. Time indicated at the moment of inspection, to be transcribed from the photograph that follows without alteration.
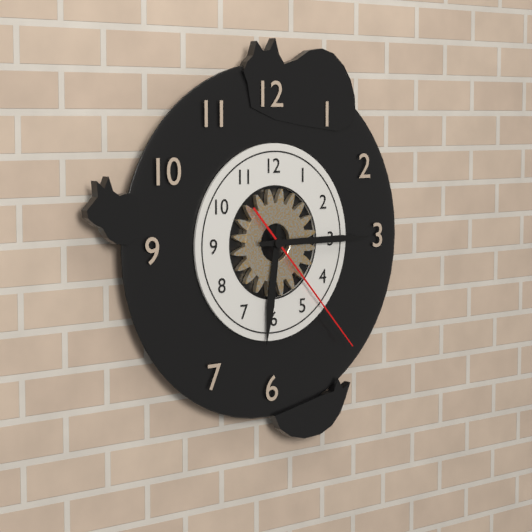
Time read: 6:15:23
